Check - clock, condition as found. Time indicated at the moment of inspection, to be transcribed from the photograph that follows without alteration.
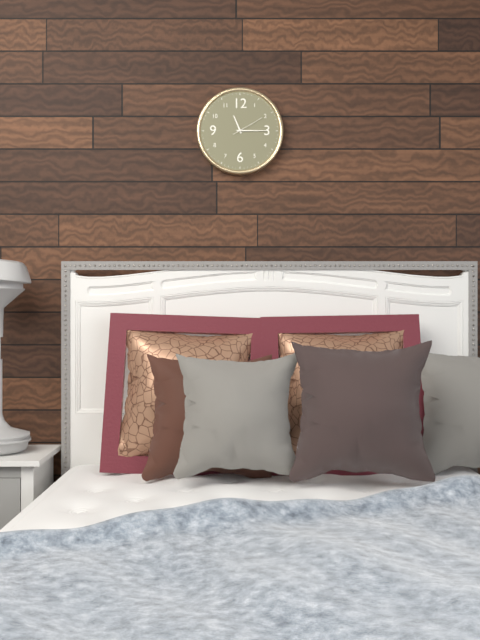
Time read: 11:15
